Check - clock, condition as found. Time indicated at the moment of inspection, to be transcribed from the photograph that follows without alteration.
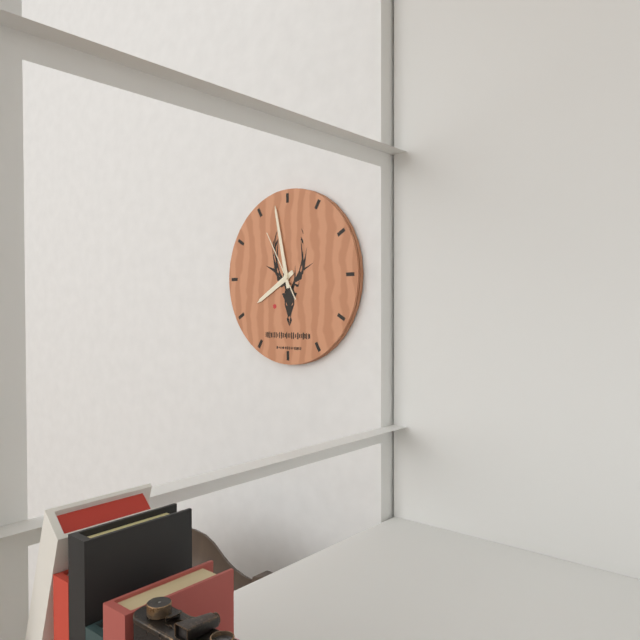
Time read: 7:58:55
